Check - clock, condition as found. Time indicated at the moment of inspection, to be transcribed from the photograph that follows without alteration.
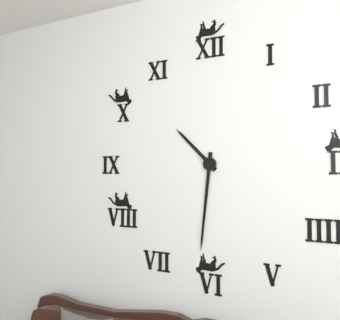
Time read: 10:31
